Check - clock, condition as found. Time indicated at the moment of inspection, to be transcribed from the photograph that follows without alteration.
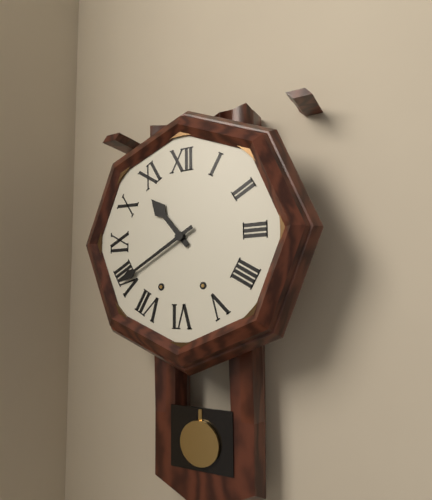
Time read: 10:40
